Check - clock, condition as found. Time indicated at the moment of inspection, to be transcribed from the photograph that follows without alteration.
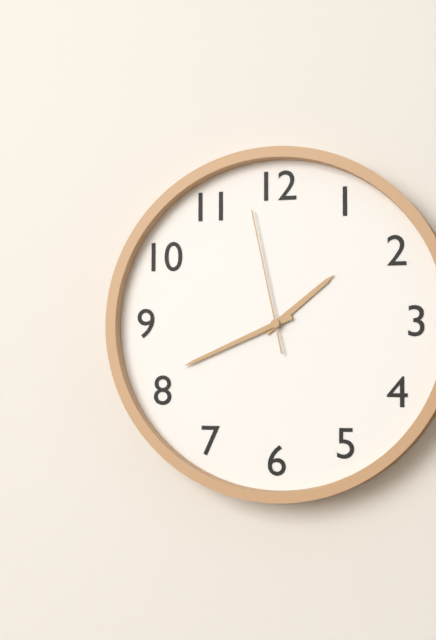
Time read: 1:41:58
